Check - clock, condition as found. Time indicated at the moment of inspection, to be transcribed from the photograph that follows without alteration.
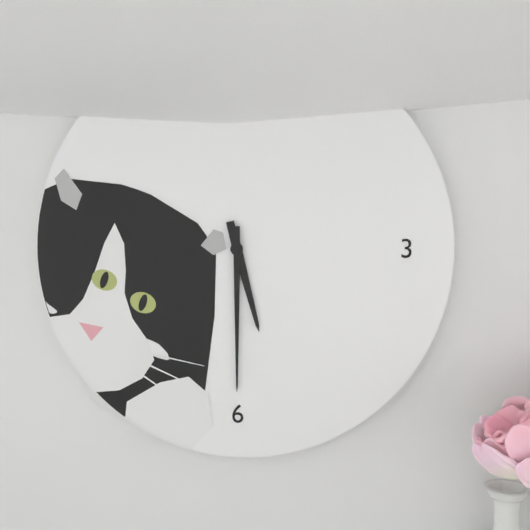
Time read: 5:30
